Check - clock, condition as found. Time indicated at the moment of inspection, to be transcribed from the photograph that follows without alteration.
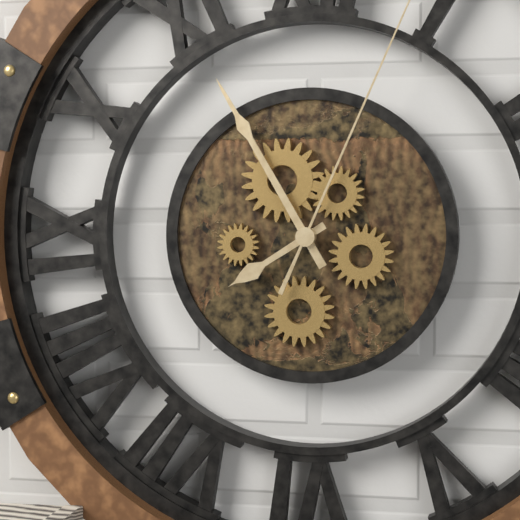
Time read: 7:55
